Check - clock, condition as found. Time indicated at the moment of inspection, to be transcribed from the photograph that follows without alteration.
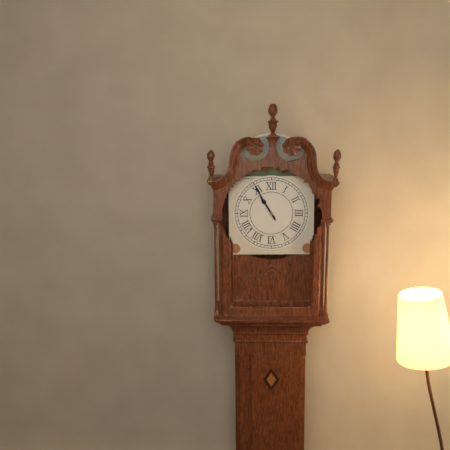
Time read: 10:55
